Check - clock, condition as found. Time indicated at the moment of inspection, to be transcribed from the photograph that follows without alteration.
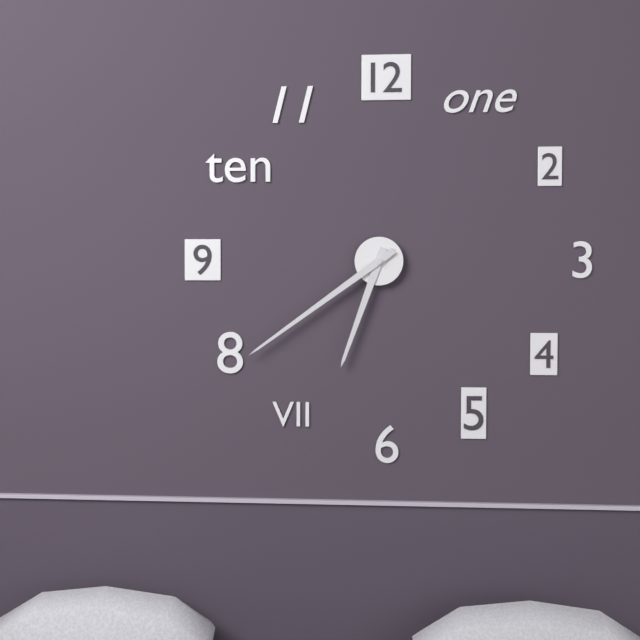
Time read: 6:39
